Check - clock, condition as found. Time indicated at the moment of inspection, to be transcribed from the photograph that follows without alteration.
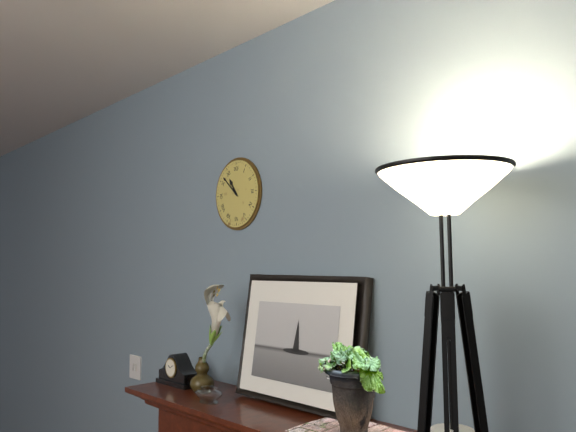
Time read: 10:52
